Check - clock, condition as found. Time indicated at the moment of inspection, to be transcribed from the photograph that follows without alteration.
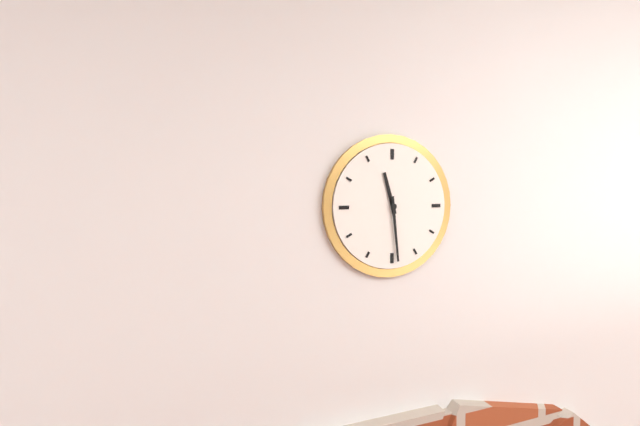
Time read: 11:29
